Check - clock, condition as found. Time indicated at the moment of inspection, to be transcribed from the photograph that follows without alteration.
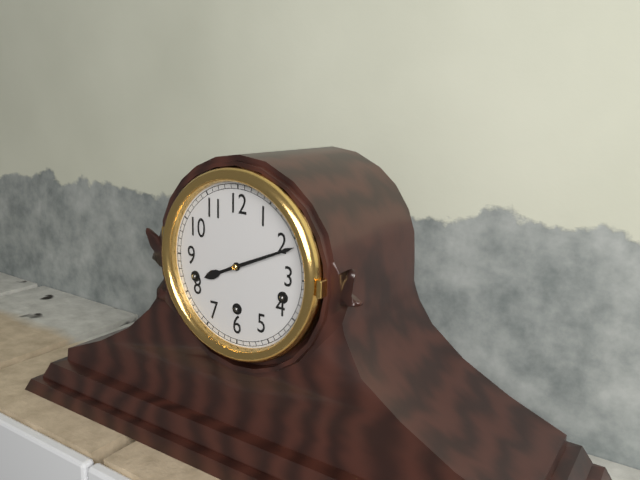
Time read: 8:11
